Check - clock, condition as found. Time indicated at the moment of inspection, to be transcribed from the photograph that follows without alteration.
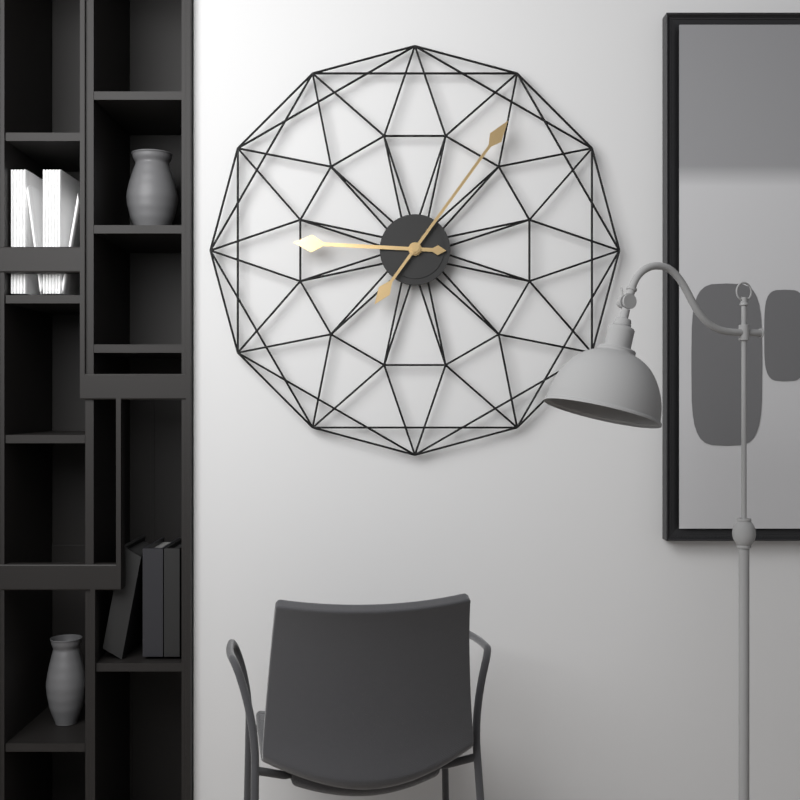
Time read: 9:06
